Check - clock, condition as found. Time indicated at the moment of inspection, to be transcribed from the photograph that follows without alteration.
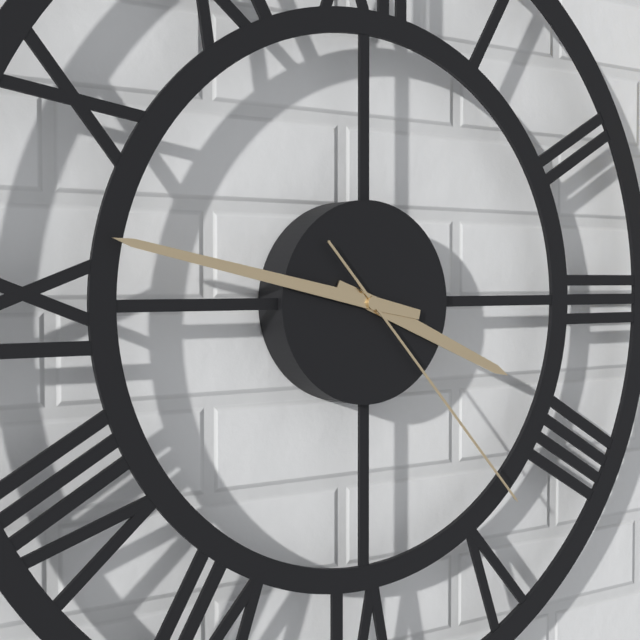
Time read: 3:47:23
